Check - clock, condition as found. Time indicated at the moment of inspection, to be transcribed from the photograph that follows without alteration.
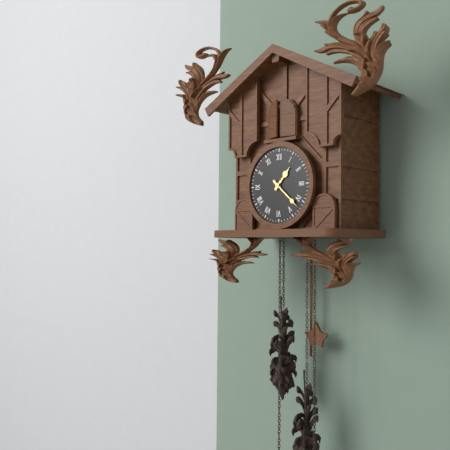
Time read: 1:22
